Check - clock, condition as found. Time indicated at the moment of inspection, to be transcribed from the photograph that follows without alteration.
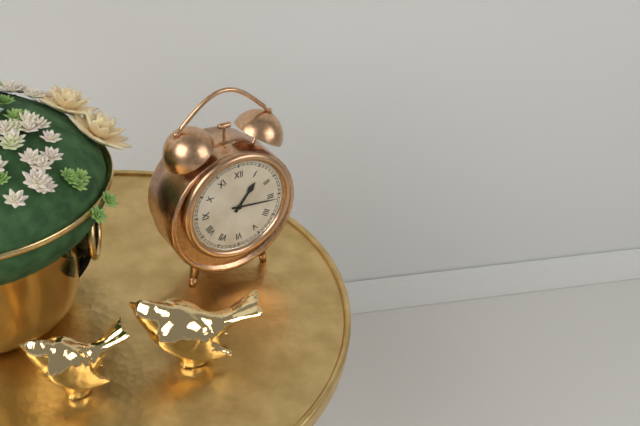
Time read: 1:16
